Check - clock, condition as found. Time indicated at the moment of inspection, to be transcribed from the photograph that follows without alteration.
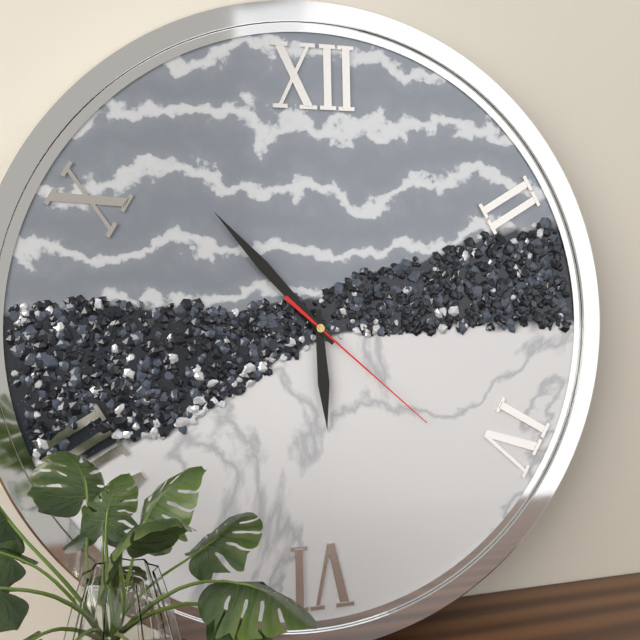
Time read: 5:53:22
